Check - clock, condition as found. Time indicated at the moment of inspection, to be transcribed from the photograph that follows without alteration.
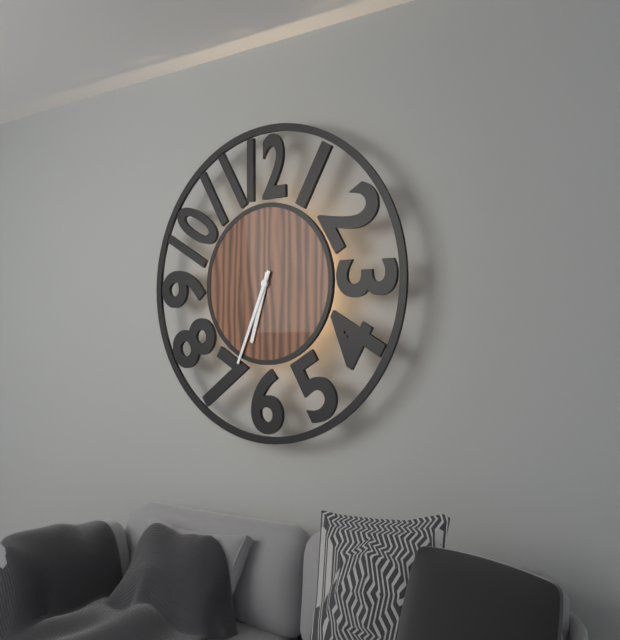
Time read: 6:34
